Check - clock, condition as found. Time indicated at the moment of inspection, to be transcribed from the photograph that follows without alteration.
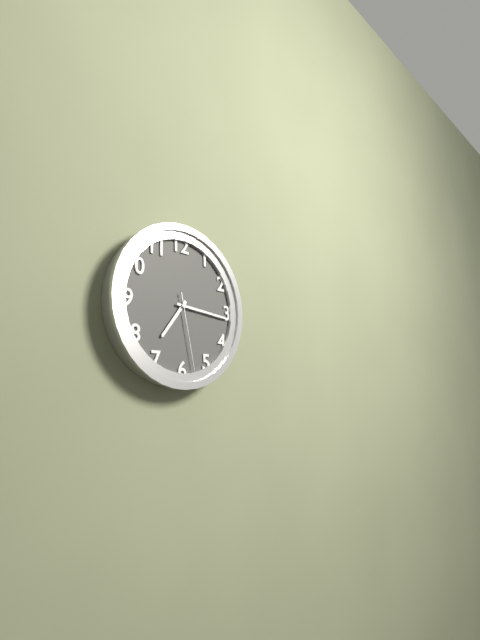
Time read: 7:16:28
